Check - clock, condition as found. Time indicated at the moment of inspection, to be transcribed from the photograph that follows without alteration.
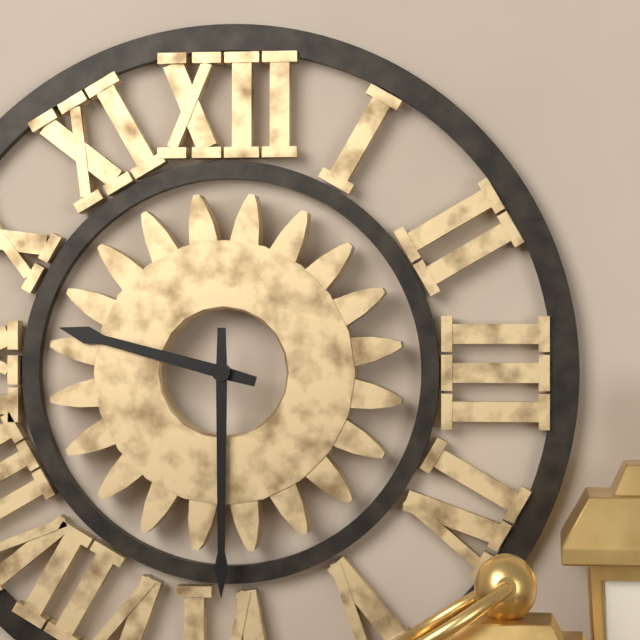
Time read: 9:30
